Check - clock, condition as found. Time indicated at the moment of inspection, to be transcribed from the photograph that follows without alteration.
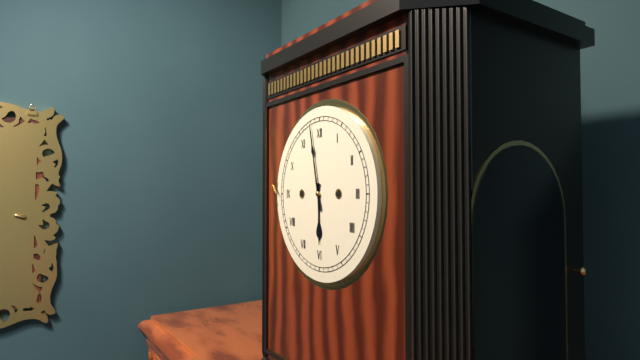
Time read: 5:58
